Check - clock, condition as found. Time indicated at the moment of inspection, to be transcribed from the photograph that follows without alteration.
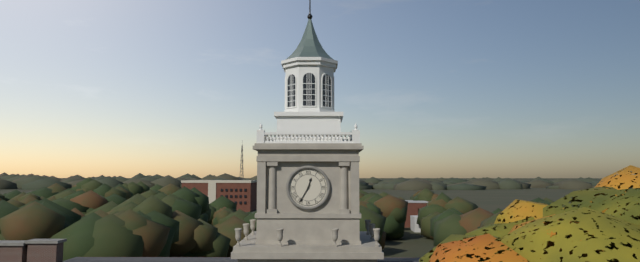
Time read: 12:35
